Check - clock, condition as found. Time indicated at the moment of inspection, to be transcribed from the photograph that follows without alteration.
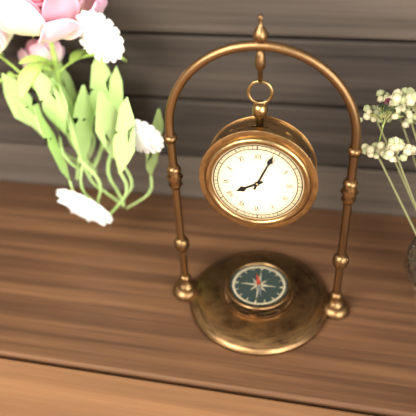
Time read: 8:04
